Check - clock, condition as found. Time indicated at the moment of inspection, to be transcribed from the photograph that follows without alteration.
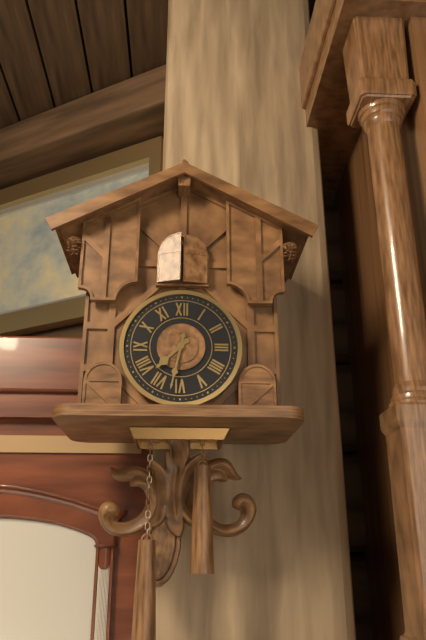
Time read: 7:32
